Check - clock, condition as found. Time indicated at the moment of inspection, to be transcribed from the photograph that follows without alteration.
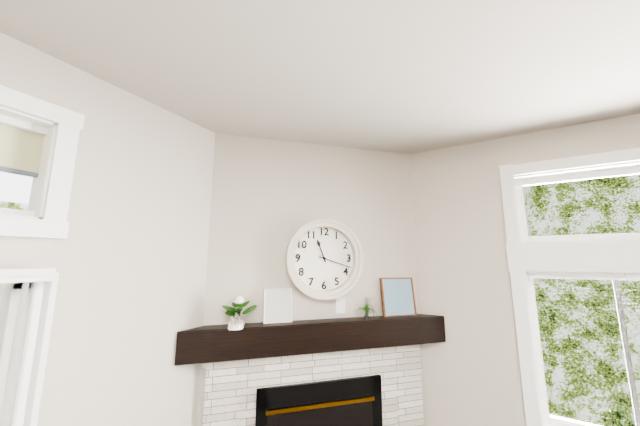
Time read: 11:18
